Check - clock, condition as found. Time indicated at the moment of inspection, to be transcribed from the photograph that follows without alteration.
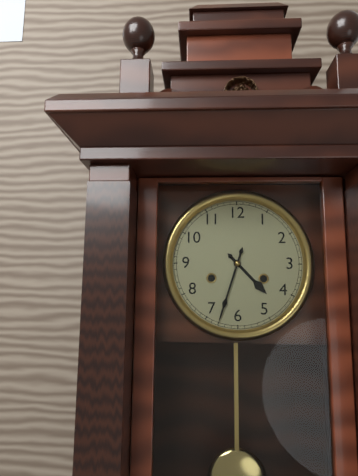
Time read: 4:33
